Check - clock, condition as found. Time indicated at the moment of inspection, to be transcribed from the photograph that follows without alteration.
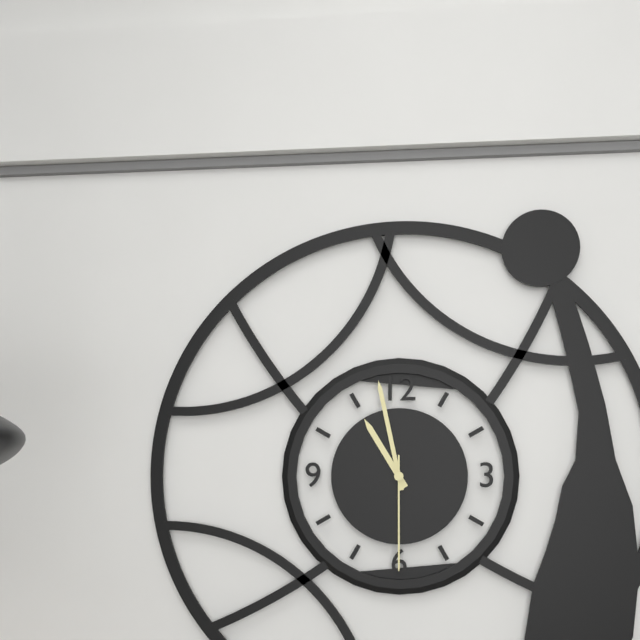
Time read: 10:58:30
